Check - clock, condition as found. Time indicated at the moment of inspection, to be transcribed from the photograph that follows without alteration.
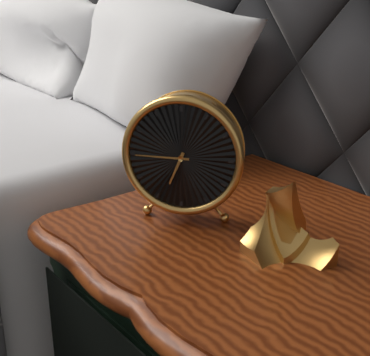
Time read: 6:45
